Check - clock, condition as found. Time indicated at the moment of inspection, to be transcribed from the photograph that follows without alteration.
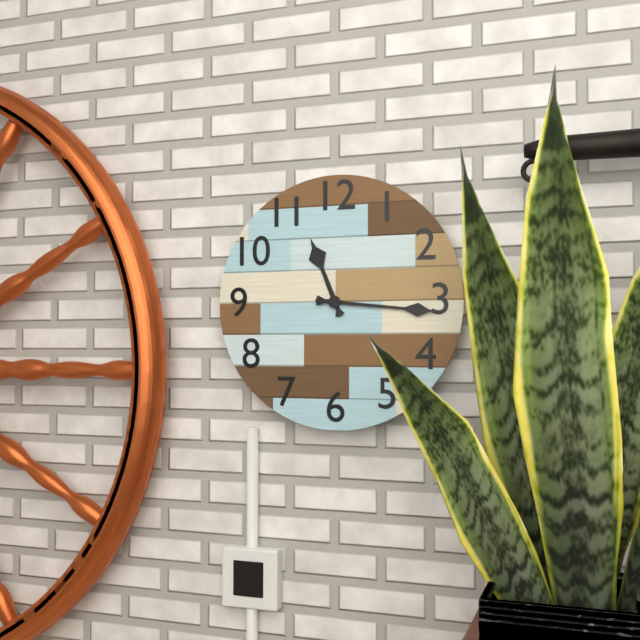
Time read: 11:16
